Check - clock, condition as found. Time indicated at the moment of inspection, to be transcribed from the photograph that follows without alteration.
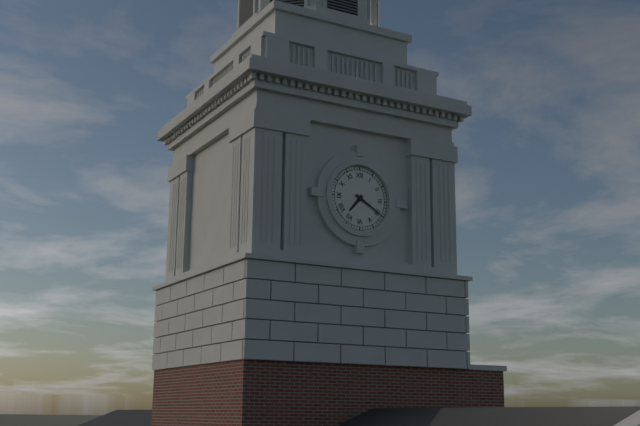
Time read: 7:20
